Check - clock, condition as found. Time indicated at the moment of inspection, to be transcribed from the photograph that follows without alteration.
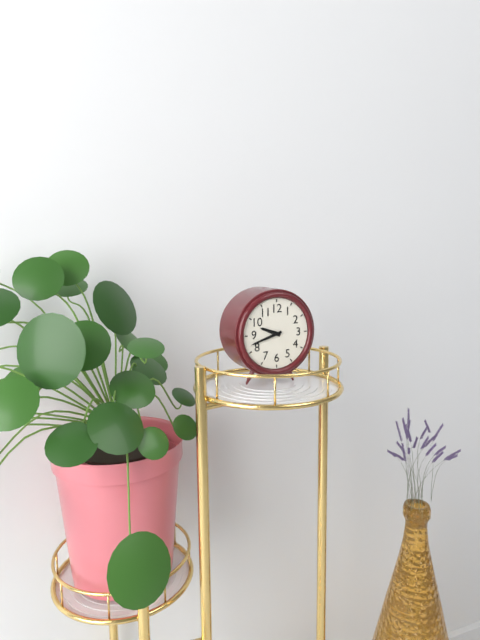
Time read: 9:42
